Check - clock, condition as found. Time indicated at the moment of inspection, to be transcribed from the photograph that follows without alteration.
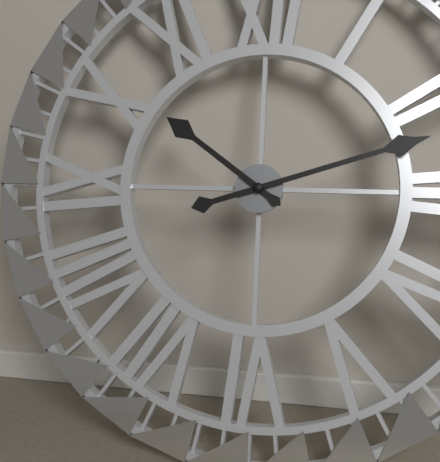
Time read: 10:12
